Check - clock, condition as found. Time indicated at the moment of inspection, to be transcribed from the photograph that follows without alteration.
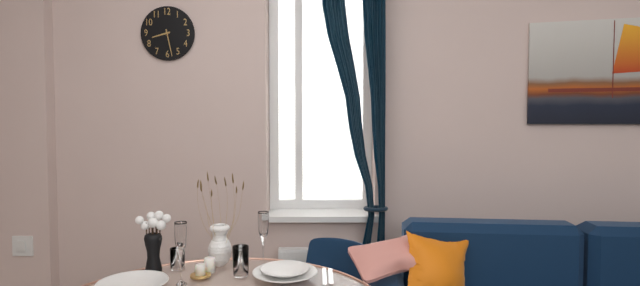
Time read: 8:28
